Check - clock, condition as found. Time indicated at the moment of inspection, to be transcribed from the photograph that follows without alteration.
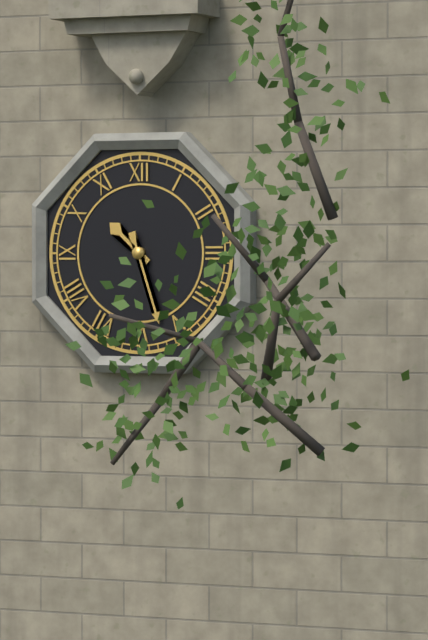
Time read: 10:27
